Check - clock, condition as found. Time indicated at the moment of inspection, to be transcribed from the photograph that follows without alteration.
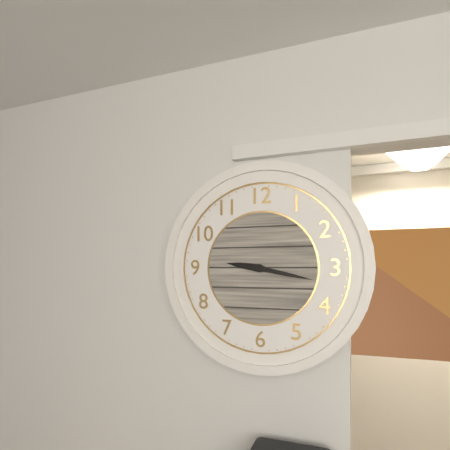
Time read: 9:17
